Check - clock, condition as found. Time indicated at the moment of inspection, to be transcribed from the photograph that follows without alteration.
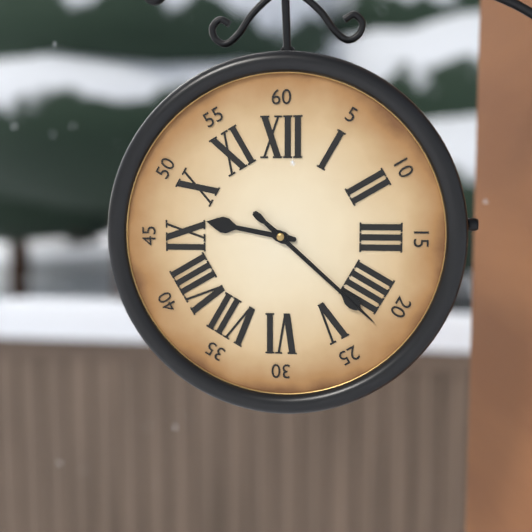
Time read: 9:22:22
